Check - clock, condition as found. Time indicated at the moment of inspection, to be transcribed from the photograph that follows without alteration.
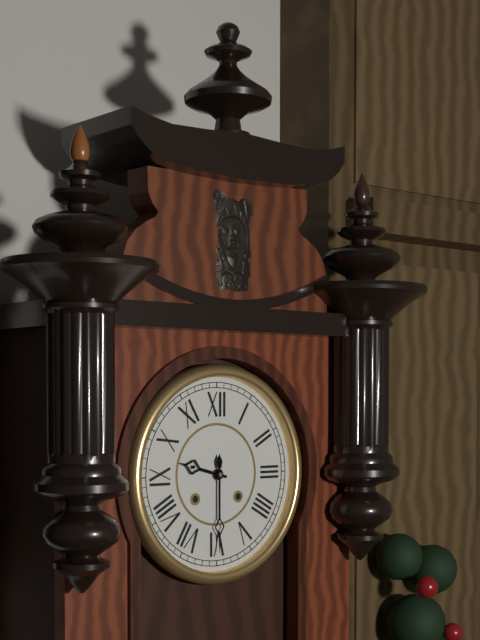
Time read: 9:30
